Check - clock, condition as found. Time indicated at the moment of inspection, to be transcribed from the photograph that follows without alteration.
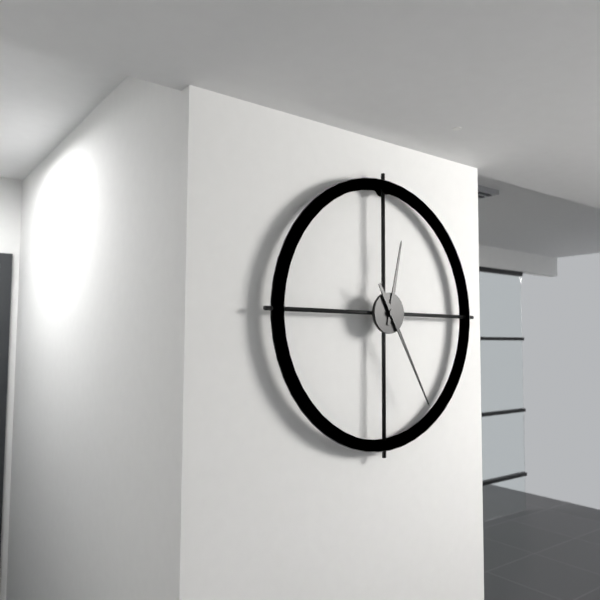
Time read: 12:25
